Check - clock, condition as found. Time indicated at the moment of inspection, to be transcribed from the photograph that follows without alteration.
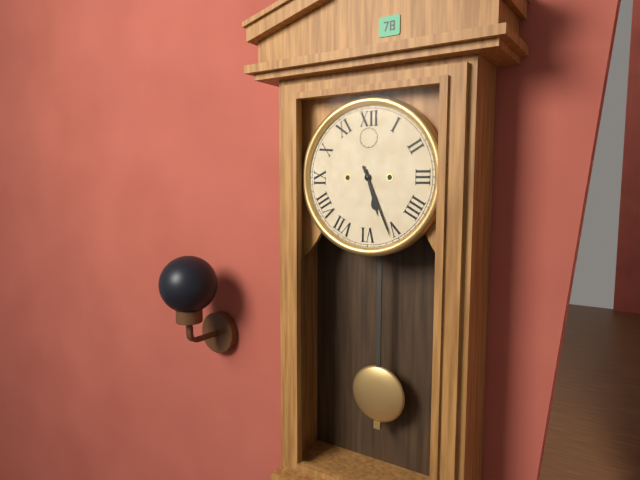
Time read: 5:26
